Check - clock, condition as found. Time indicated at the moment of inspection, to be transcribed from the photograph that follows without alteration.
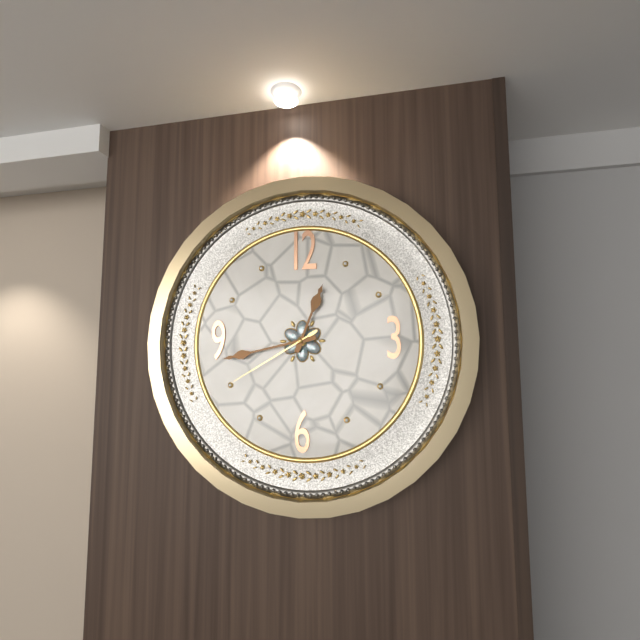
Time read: 12:43:40
